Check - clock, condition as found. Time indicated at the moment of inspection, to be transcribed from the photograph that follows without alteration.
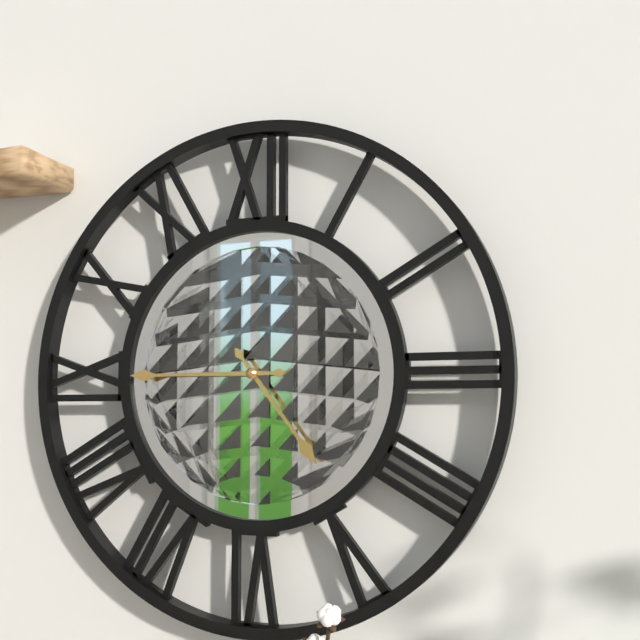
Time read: 4:45
